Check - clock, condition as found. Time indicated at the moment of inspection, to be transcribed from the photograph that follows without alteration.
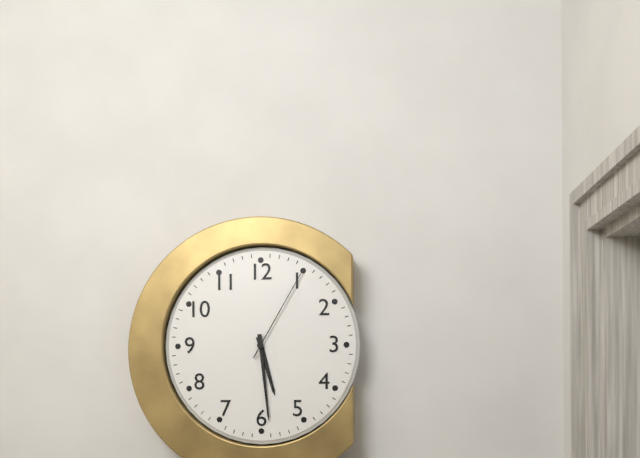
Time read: 5:29:05
